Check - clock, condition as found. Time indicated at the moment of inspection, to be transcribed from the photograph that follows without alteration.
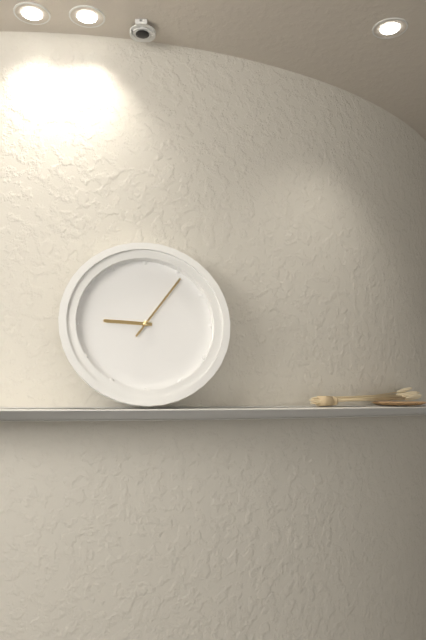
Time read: 9:06
